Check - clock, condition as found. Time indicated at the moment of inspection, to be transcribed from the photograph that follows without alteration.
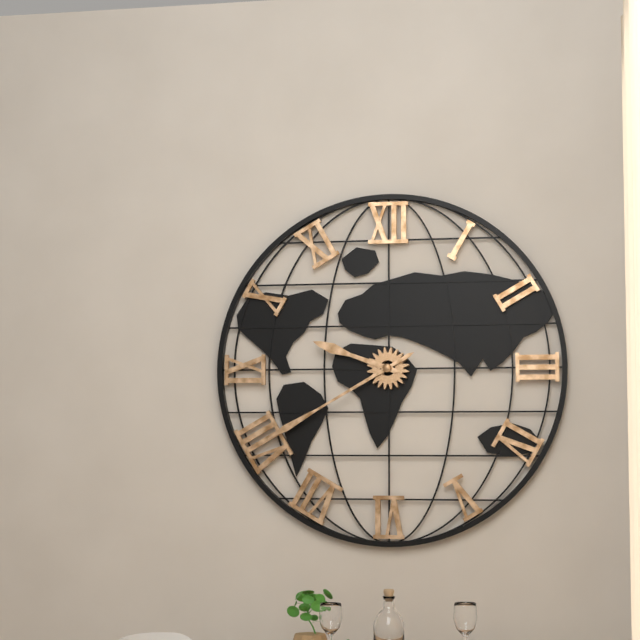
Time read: 9:40
